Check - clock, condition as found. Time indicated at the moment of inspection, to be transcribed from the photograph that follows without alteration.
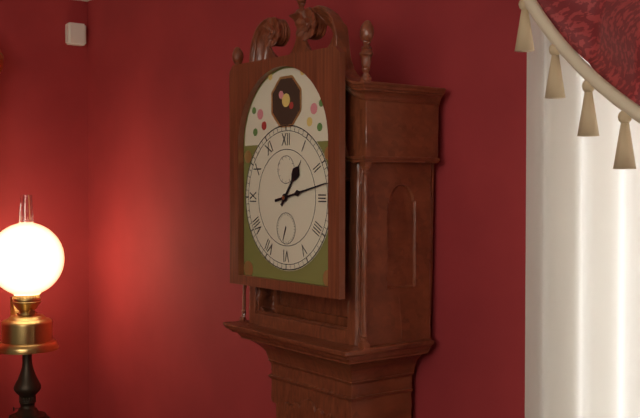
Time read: 1:13
